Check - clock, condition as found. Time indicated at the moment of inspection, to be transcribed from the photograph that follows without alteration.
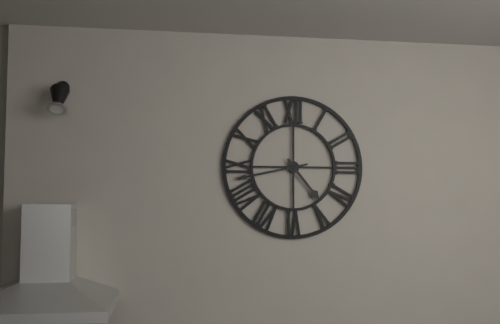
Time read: 4:43
